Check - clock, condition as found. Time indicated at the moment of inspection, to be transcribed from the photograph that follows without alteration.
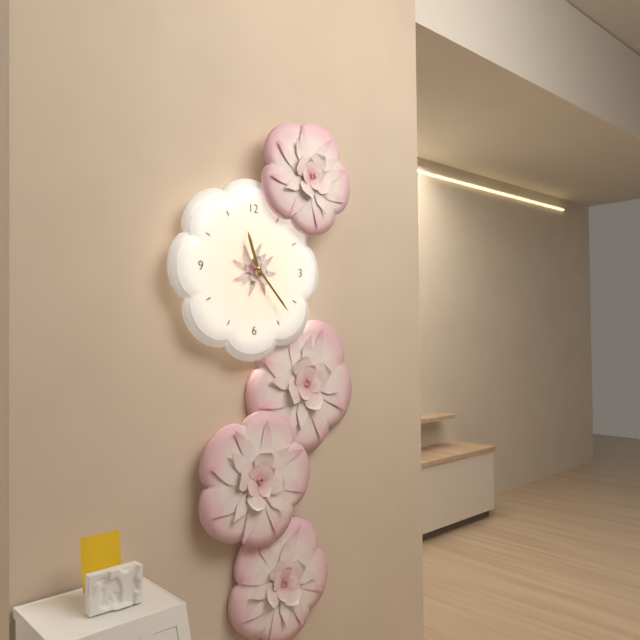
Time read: 11:23
